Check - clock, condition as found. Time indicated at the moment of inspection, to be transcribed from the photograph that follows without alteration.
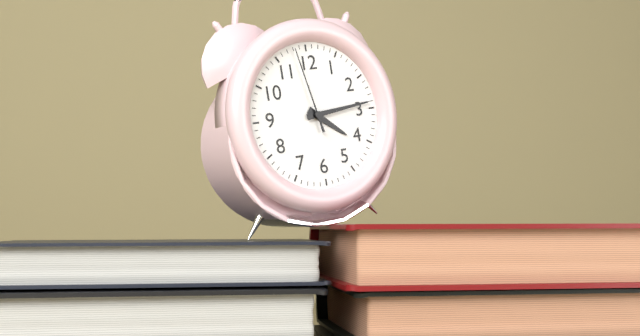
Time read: 4:14:58
